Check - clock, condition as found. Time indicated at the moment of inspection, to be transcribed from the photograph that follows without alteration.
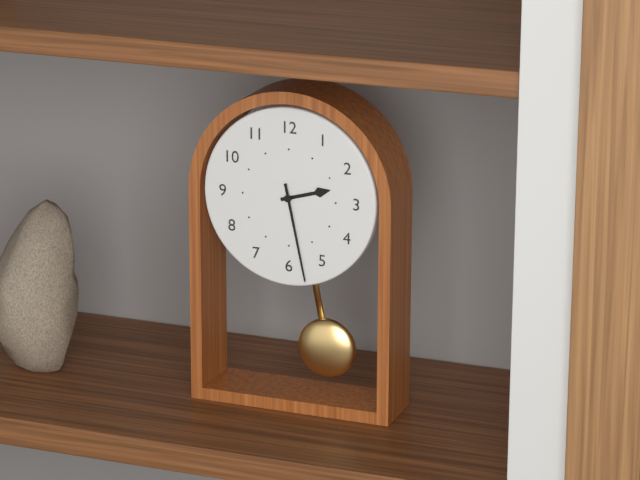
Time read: 2:28
